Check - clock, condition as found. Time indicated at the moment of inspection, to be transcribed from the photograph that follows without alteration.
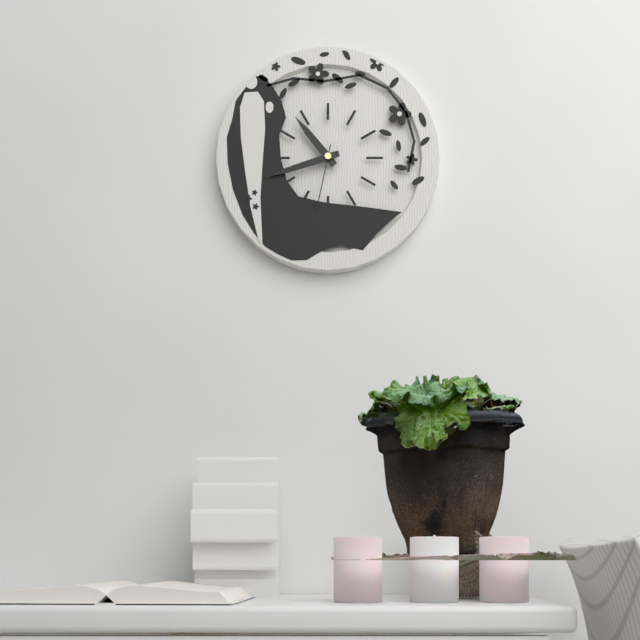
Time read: 10:42:32
